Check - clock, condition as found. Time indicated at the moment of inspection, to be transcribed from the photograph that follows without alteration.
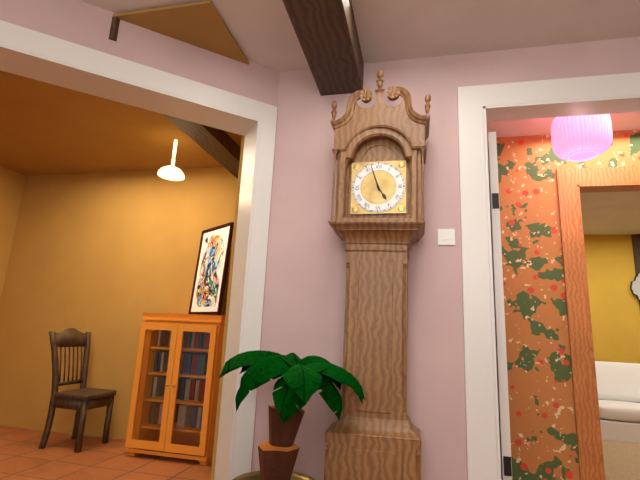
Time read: 4:57
